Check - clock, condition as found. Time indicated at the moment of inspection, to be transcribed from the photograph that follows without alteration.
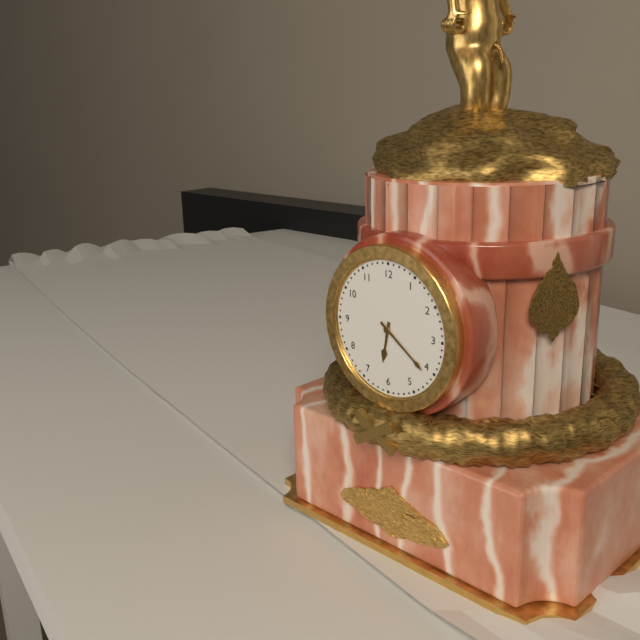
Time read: 6:21
